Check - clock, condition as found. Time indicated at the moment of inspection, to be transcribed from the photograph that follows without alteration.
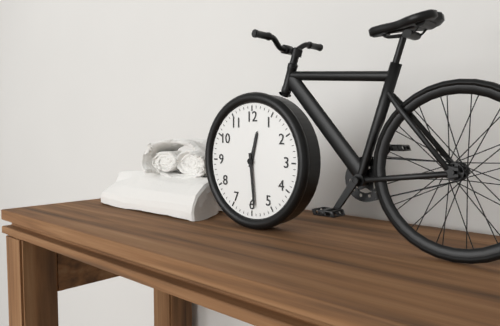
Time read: 12:29
